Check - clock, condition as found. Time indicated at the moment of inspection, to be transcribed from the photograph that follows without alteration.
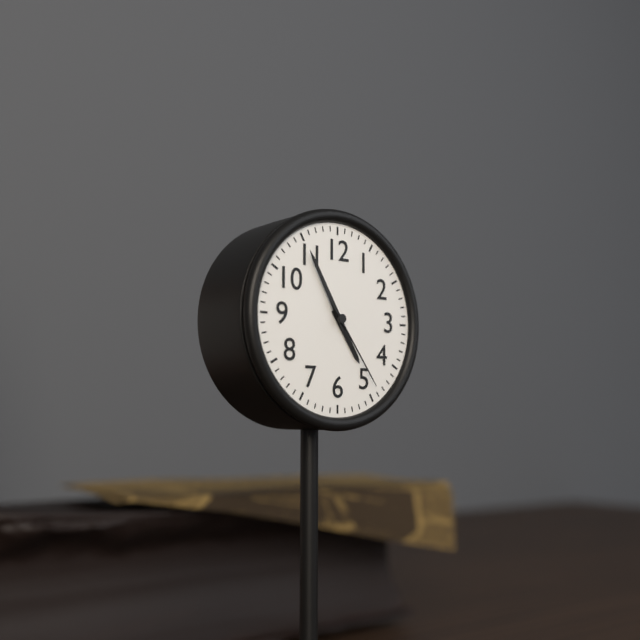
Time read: 4:55:24
